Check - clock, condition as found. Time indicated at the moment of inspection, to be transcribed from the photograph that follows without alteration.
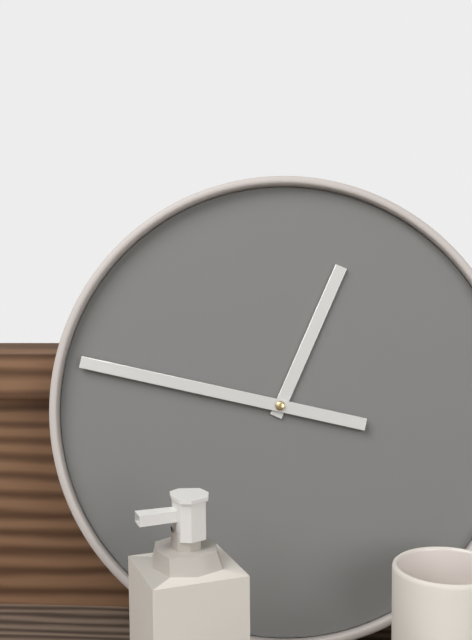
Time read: 12:47
